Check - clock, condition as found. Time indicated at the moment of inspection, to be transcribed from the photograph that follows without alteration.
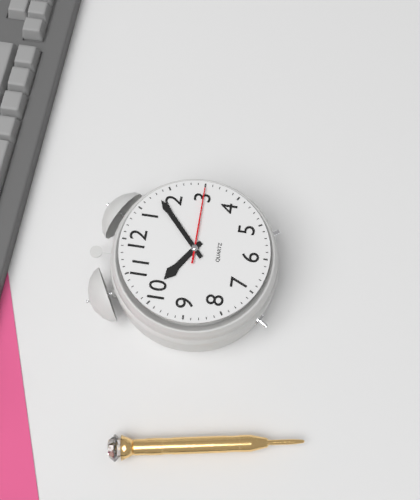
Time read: 10:08:15
